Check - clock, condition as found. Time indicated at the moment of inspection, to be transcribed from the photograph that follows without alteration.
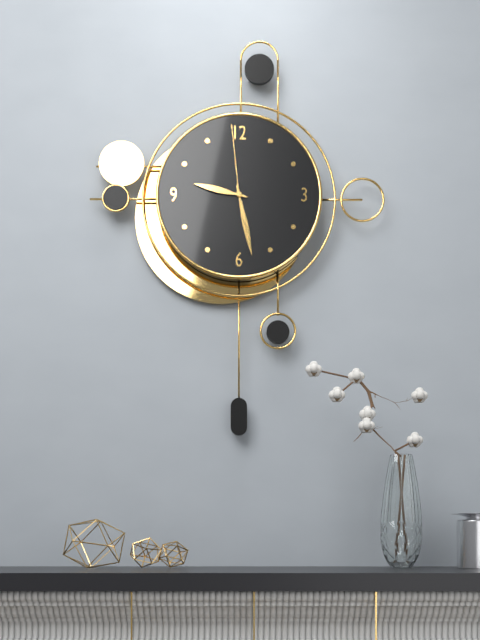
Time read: 9:28:59
